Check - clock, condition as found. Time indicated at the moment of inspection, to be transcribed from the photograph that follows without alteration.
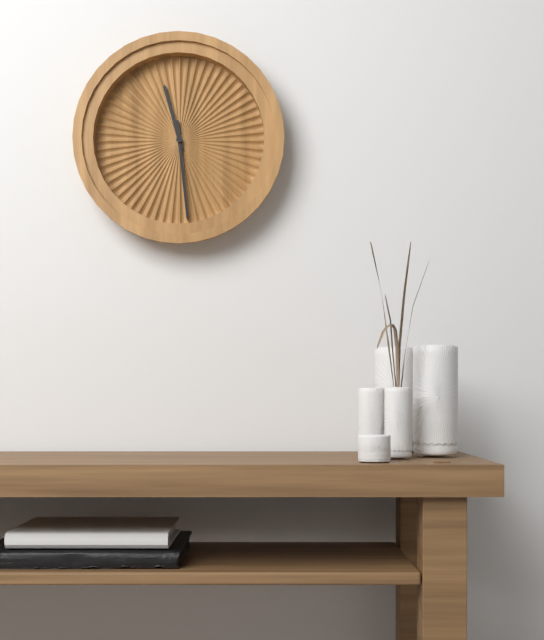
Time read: 11:29
